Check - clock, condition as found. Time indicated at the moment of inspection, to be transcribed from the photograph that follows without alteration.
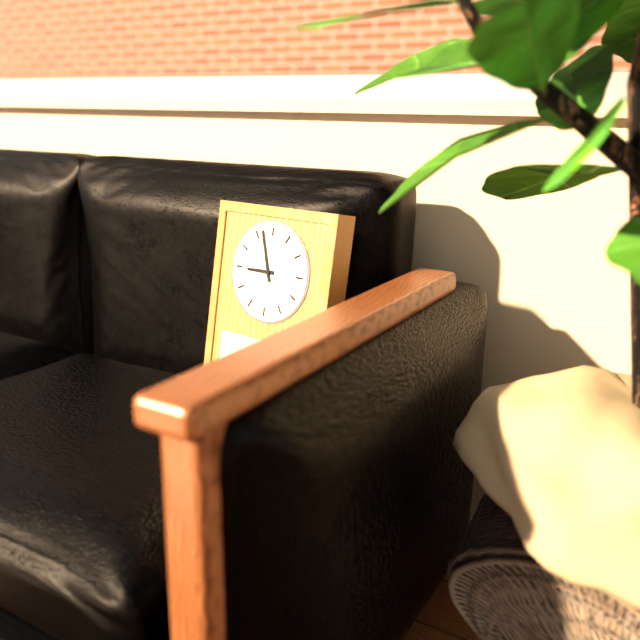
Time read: 8:57
